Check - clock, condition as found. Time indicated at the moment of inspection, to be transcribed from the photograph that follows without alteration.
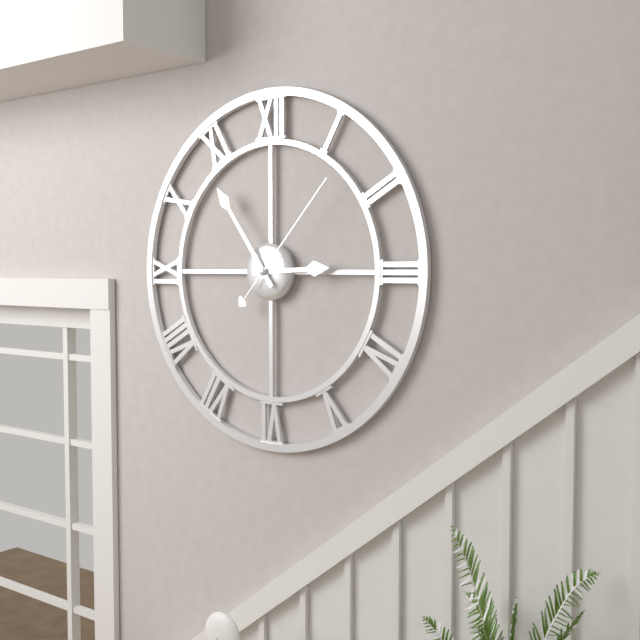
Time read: 2:54:07
